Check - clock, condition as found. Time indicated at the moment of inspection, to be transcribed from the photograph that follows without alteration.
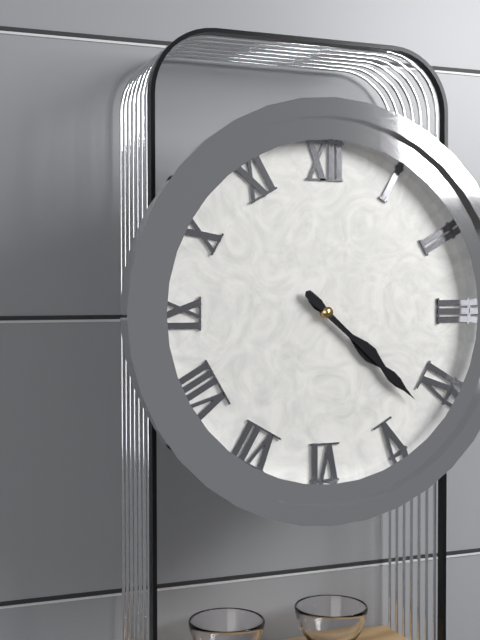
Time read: 4:22
